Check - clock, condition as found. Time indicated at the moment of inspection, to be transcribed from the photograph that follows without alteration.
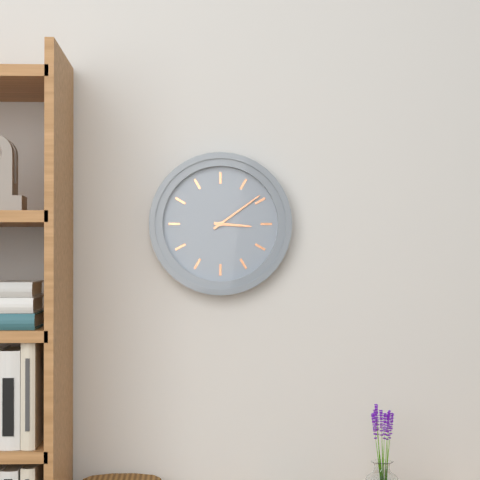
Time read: 3:09
